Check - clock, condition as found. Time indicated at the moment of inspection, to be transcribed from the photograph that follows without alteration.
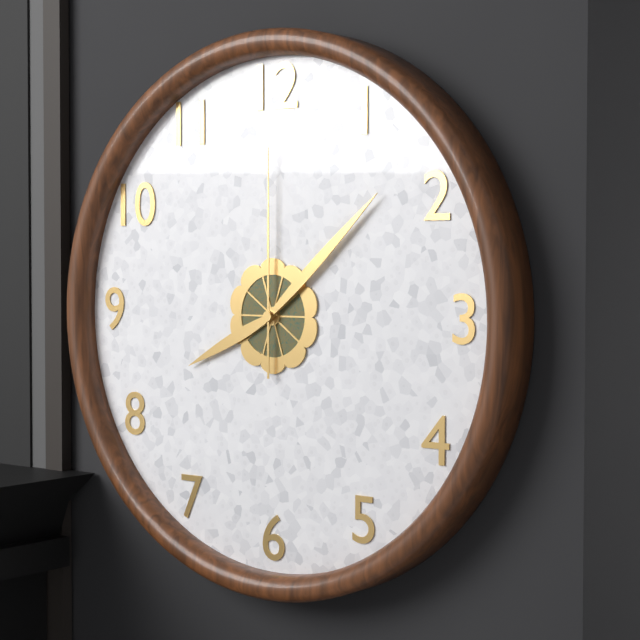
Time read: 8:08:00
